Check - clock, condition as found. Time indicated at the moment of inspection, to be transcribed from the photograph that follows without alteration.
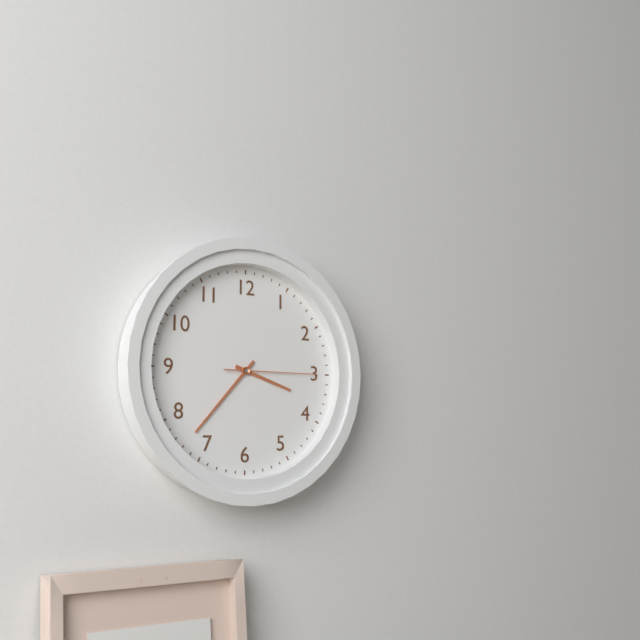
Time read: 3:37:15
